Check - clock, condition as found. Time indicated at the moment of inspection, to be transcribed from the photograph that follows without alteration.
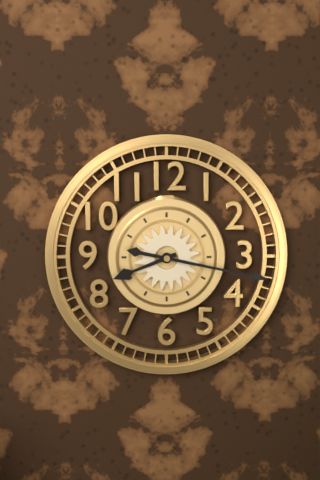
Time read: 8:17
